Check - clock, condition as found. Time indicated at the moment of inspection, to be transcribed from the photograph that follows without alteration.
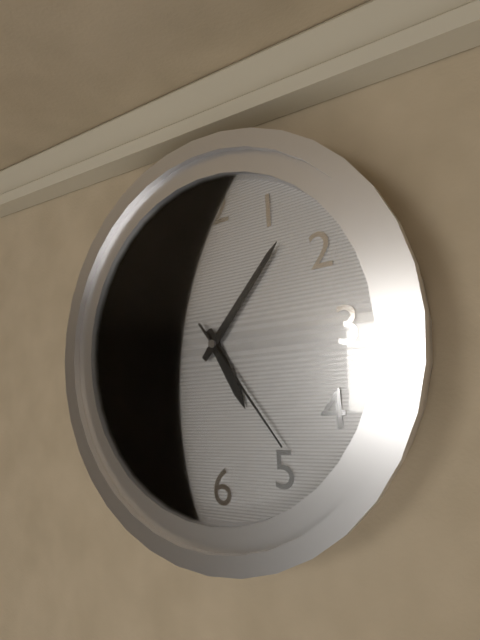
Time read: 5:07:24
